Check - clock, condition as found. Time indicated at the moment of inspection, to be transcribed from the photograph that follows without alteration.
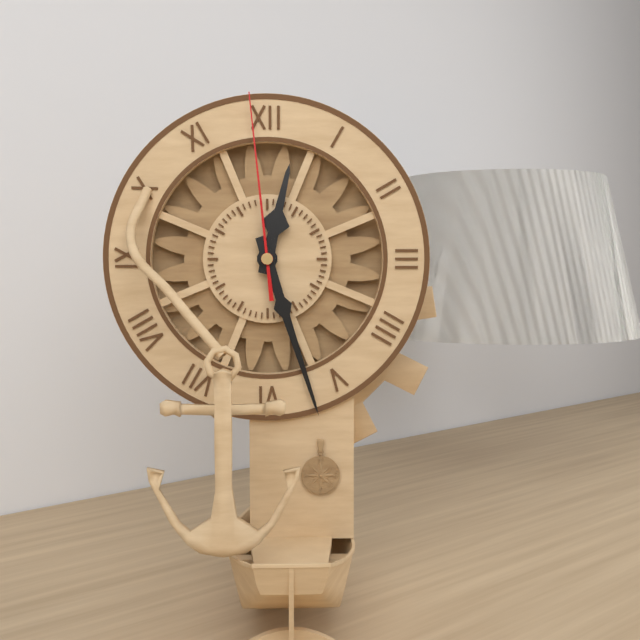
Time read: 12:27:59
